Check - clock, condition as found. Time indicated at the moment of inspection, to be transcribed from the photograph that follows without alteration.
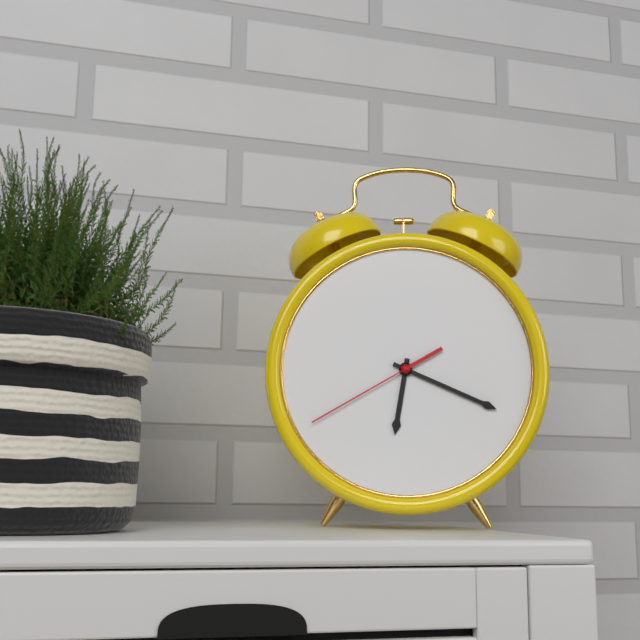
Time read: 6:19:40
